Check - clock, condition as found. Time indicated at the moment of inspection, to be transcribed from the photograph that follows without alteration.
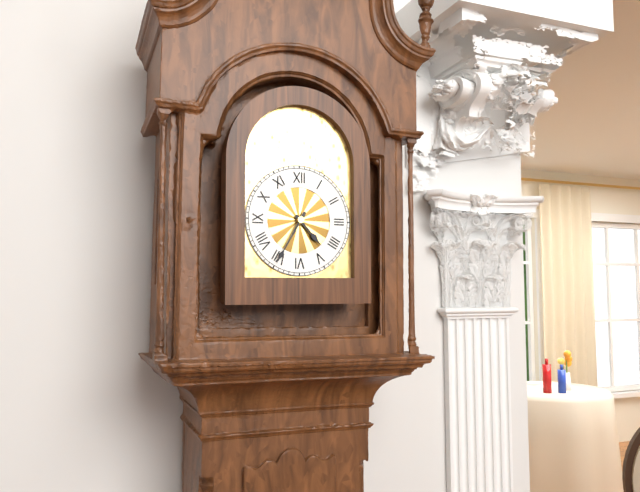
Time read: 4:35
